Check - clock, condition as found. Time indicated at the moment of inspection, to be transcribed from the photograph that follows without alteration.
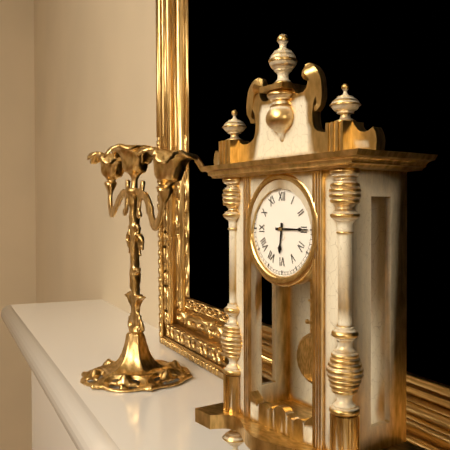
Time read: 6:15
